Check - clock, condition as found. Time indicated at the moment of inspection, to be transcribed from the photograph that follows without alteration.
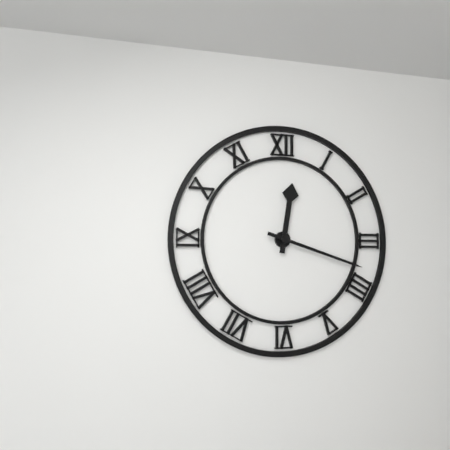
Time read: 12:18
